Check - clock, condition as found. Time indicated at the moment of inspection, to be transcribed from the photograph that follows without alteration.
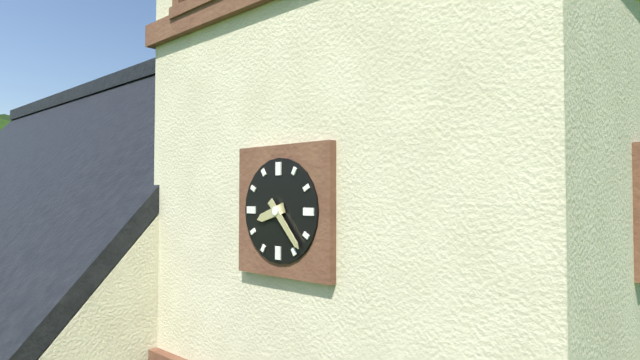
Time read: 8:23
